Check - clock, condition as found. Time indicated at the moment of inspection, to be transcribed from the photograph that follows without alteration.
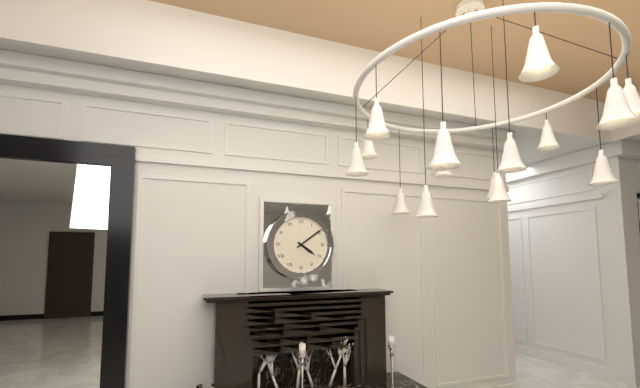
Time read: 4:09
